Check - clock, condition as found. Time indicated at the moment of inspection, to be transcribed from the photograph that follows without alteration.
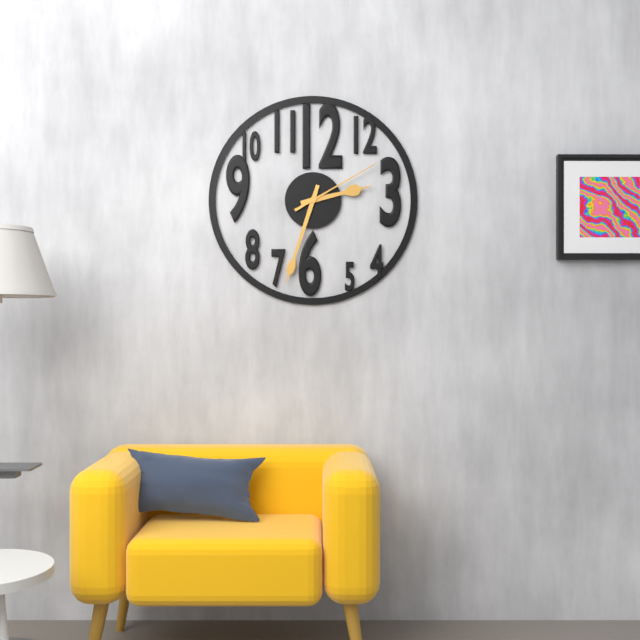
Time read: 2:33:10
